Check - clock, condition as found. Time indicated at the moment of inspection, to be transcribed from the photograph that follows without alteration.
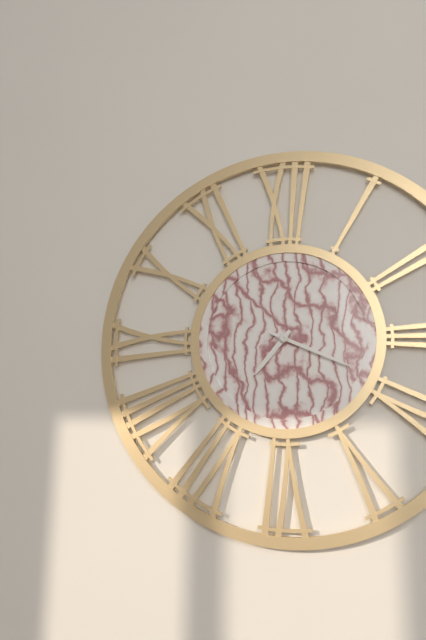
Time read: 7:19
